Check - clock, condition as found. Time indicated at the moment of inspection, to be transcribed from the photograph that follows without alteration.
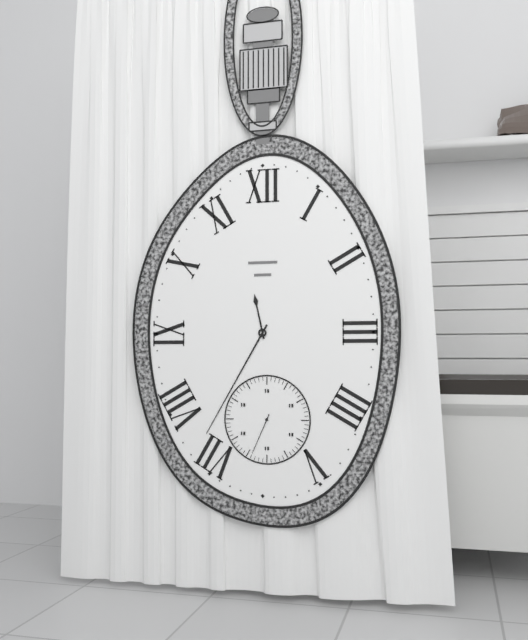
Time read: 11:35
